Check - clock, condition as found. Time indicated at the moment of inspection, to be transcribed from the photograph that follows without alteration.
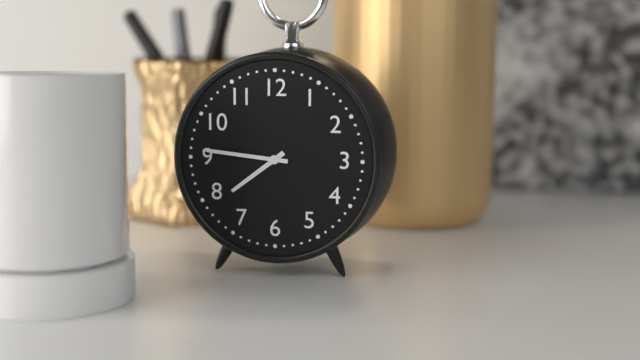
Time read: 7:46
